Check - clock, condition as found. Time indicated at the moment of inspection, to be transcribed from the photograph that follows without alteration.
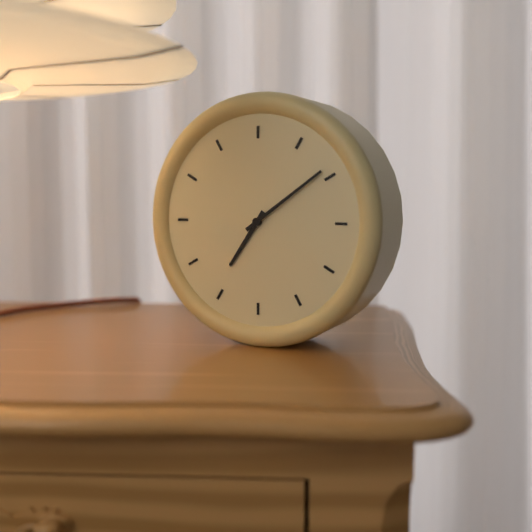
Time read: 7:09
